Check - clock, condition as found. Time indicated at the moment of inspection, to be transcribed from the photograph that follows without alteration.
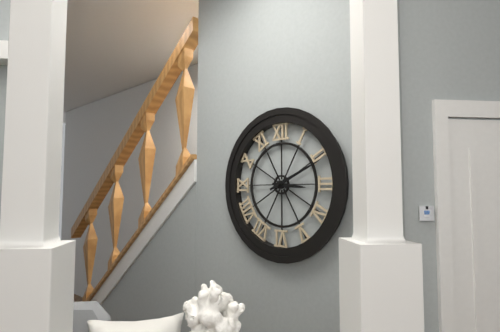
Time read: 3:11
